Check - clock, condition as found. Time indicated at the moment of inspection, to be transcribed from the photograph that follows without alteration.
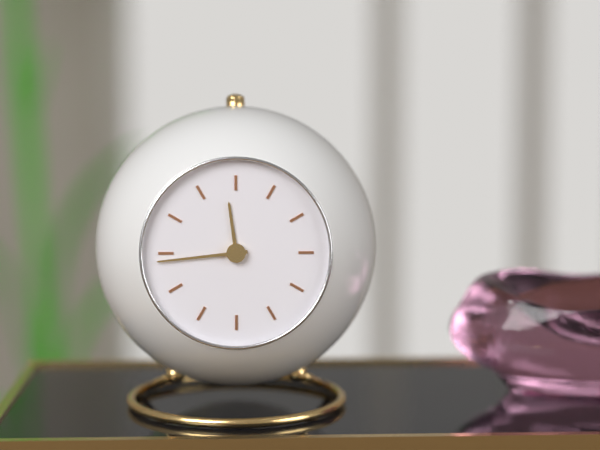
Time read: 11:44
